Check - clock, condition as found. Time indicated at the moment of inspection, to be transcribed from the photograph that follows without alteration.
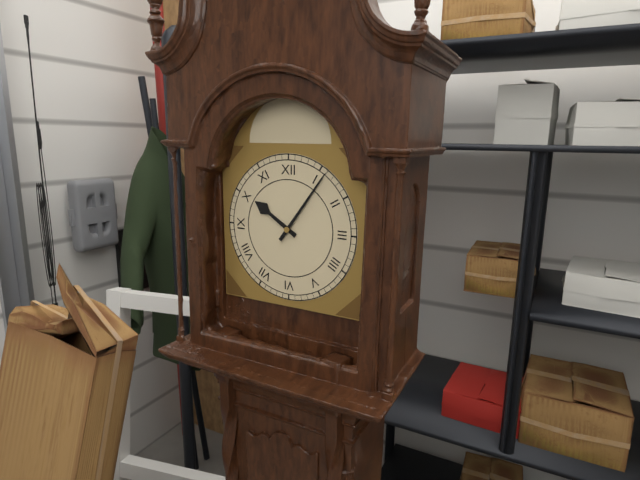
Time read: 10:06
